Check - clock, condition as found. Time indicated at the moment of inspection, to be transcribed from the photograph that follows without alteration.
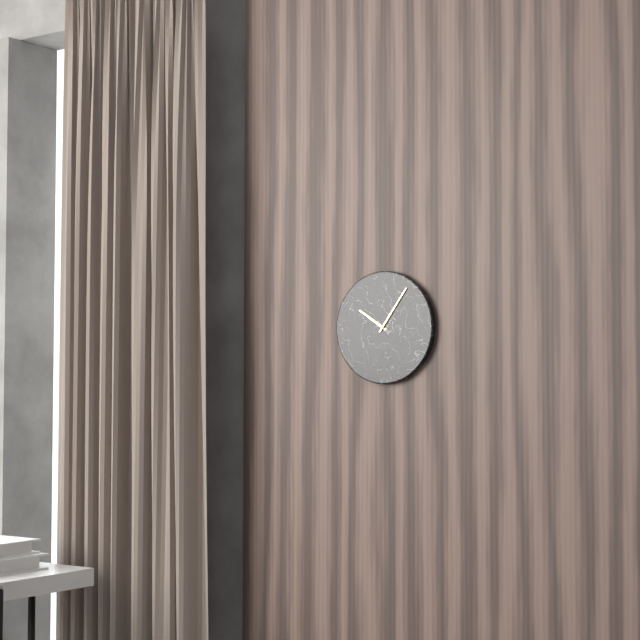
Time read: 10:06
